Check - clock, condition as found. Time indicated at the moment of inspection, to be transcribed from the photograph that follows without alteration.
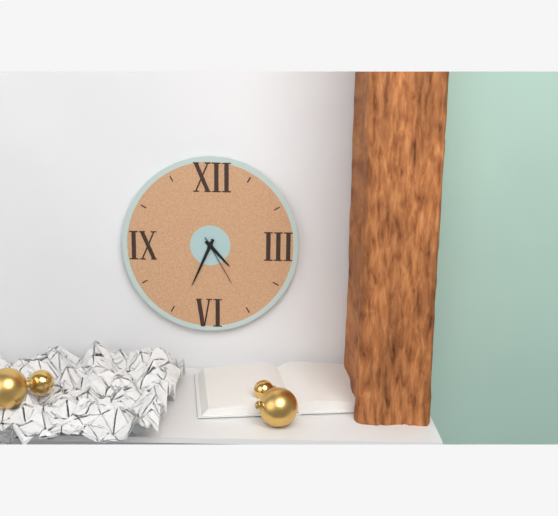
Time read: 4:34:25
